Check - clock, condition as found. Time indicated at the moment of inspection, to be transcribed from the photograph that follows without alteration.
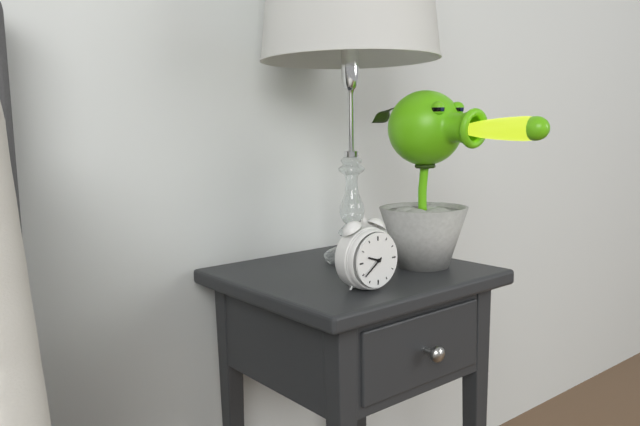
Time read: 9:39
